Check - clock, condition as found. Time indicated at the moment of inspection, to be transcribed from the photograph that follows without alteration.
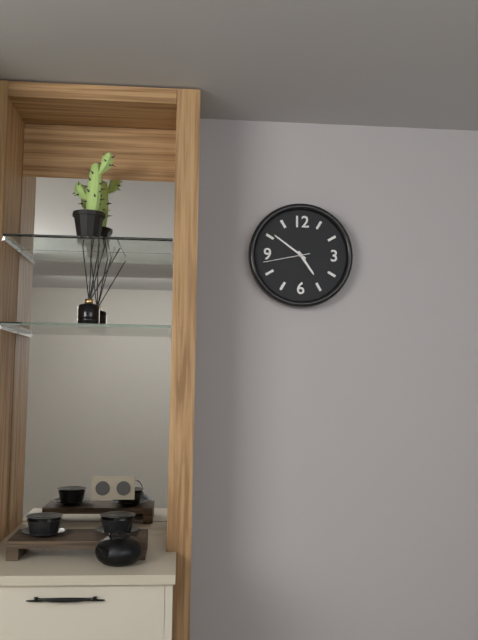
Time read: 4:51
